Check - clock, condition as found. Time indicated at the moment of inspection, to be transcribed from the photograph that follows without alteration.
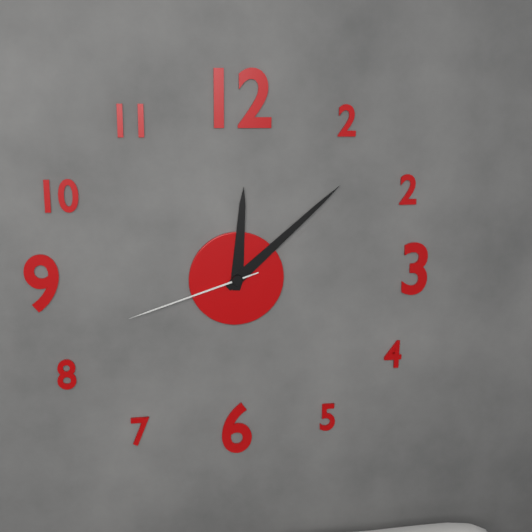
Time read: 12:08:42
